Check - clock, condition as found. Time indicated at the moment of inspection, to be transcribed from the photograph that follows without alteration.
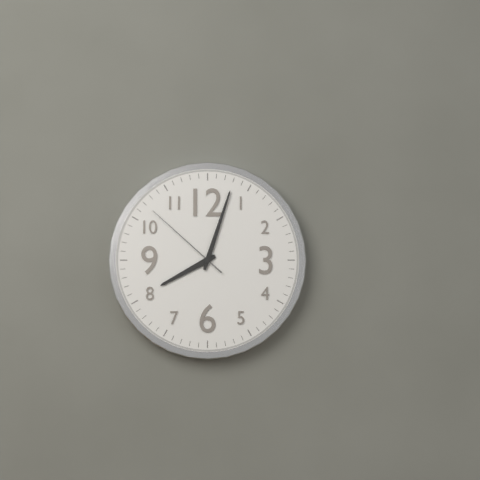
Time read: 8:03:52
